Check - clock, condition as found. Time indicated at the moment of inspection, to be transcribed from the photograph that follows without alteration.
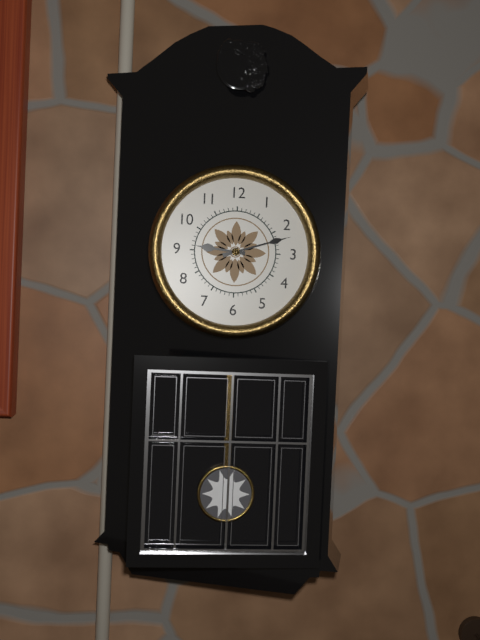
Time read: 9:12
